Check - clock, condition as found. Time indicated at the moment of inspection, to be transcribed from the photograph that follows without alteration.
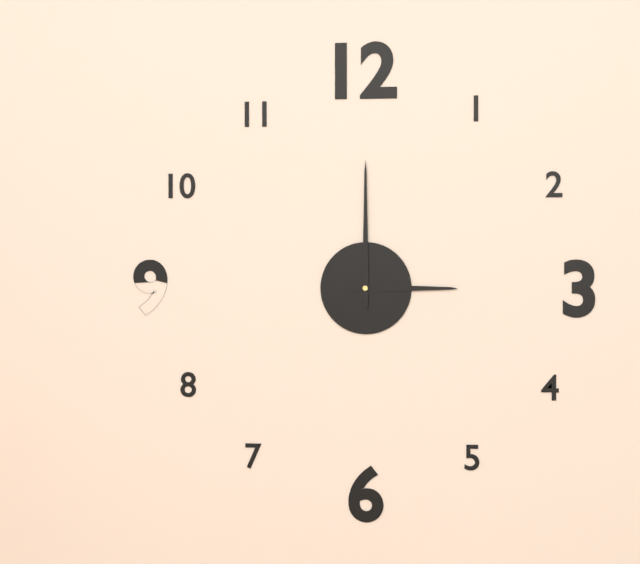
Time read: 3:00
